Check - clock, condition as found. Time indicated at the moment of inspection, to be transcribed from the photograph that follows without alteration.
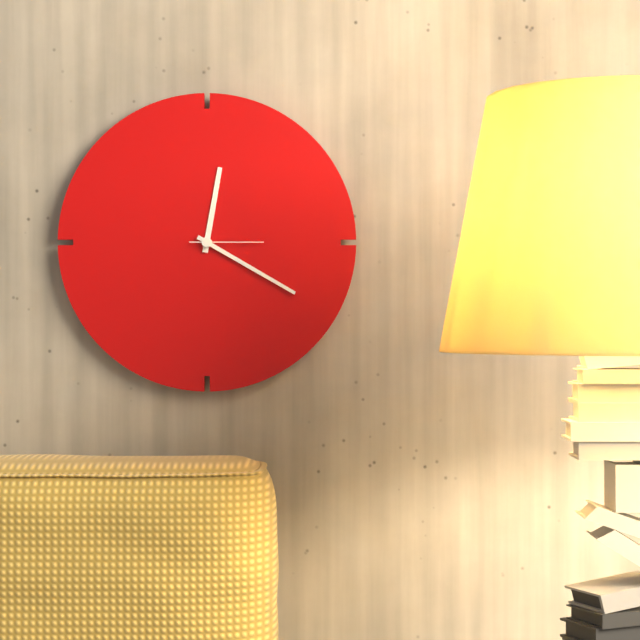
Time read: 12:20:15
